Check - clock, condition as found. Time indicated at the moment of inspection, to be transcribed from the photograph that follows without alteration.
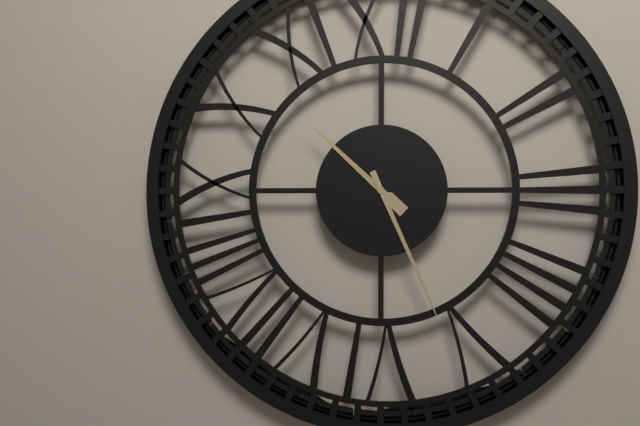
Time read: 10:26
